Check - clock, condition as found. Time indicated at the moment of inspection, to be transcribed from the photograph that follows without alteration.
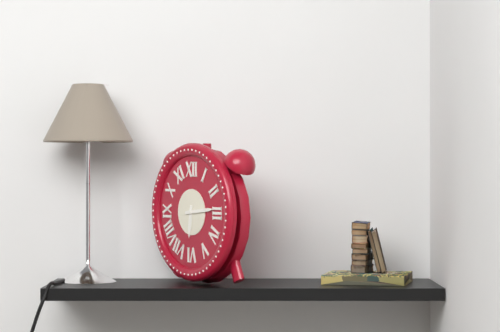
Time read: 6:14
